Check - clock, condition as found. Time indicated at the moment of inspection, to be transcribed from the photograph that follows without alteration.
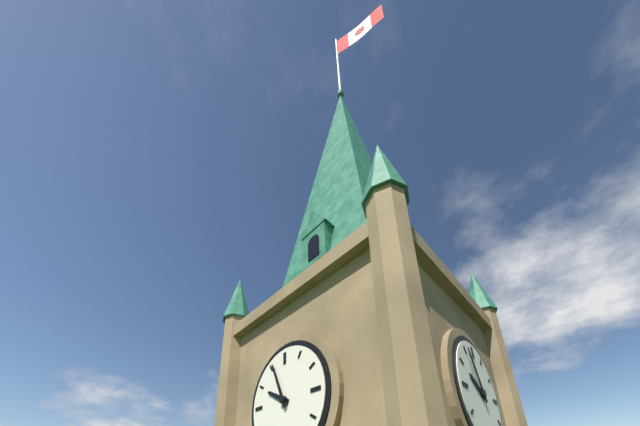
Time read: 9:56
